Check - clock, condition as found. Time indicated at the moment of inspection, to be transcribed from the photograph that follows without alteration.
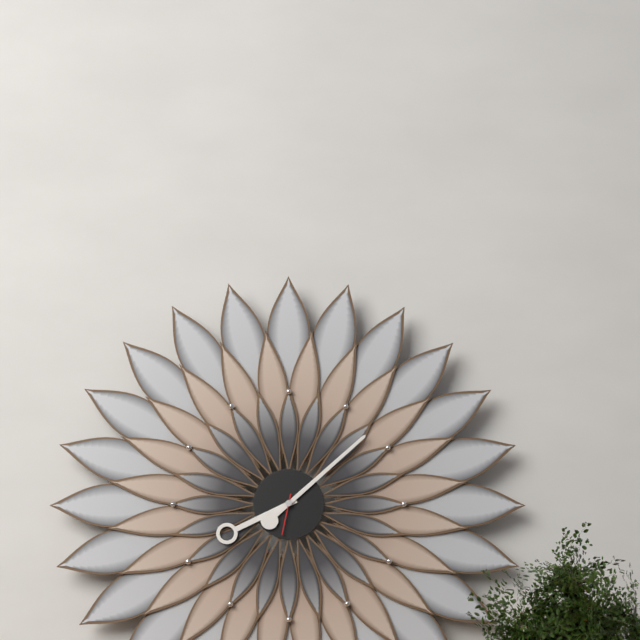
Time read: 8:08
